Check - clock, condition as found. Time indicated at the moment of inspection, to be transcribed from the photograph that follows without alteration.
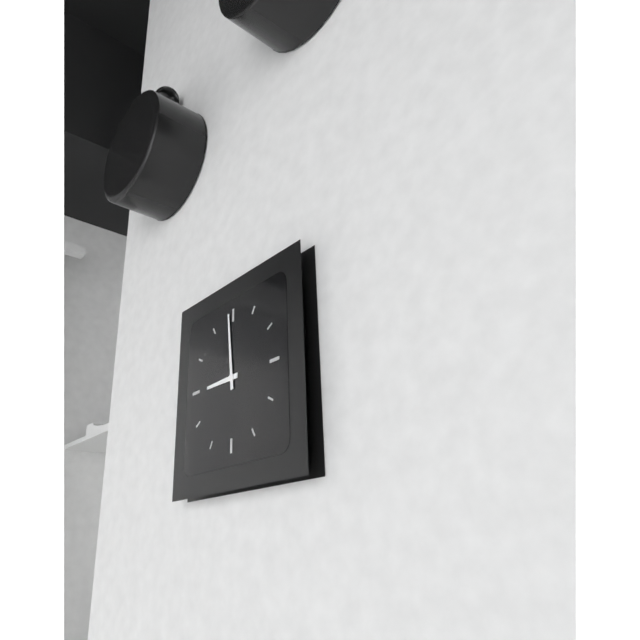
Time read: 8:59
